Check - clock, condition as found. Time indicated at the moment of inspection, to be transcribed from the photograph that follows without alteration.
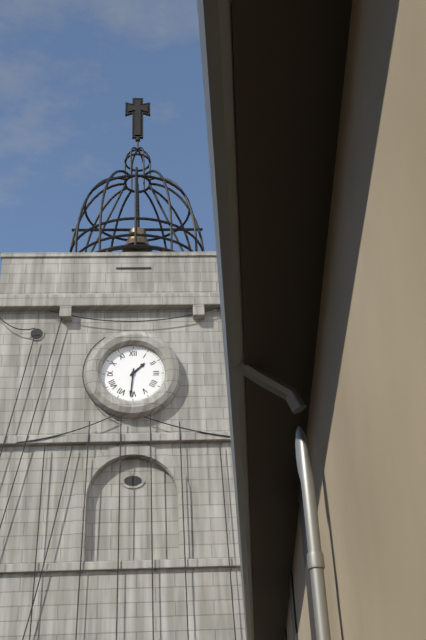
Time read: 1:31
